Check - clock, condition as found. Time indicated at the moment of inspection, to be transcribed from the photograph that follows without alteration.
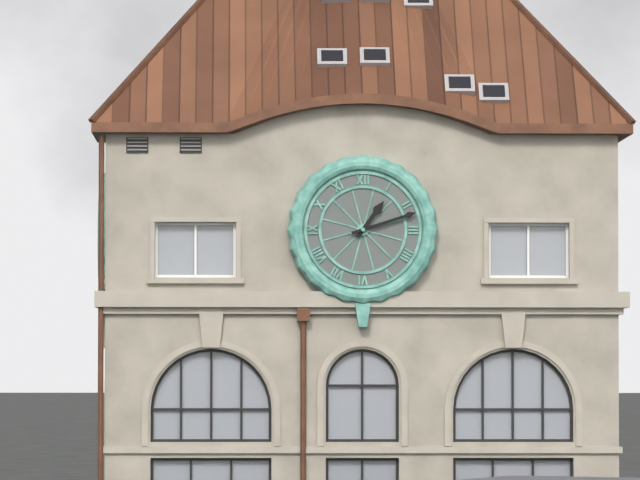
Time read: 1:12
